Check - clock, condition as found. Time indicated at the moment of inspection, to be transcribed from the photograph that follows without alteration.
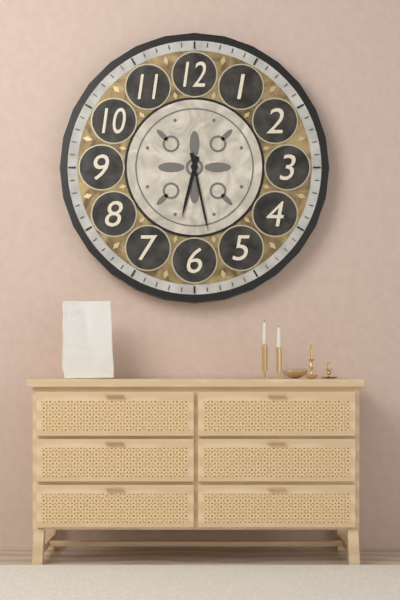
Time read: 6:28
